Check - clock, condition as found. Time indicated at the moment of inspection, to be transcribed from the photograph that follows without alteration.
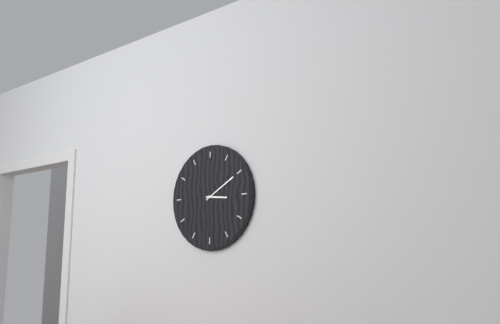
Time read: 3:10
